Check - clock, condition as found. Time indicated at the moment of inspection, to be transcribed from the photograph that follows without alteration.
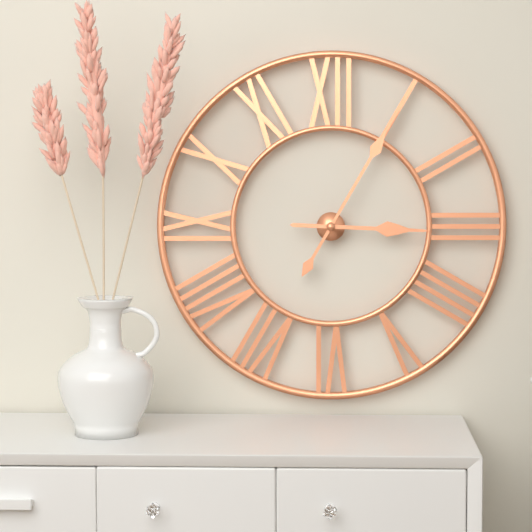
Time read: 3:05
